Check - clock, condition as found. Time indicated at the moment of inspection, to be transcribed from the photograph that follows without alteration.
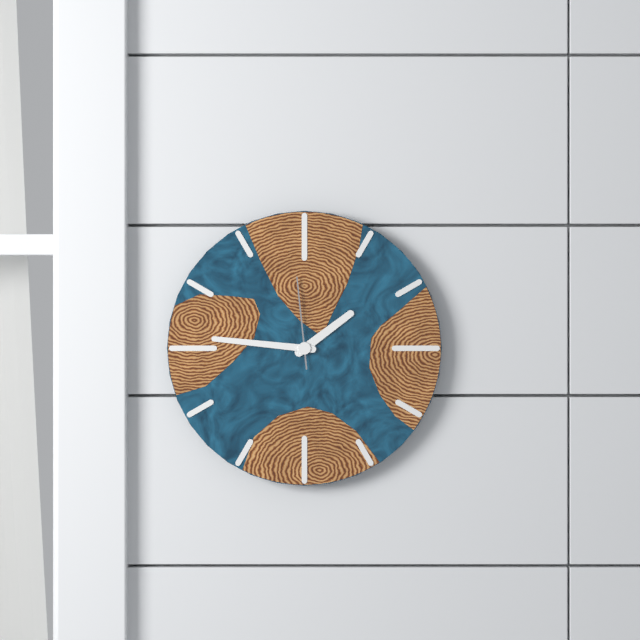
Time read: 1:46:59
